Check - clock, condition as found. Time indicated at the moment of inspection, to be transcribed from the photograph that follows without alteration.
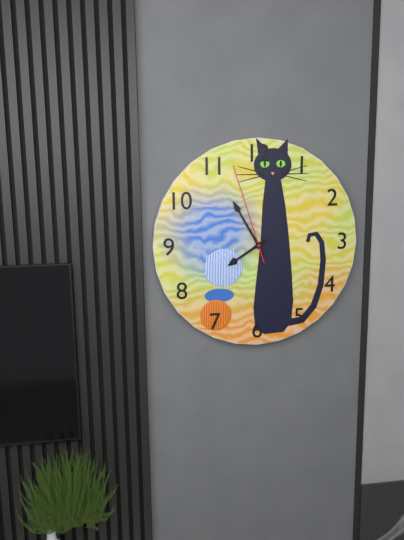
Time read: 7:55:57
